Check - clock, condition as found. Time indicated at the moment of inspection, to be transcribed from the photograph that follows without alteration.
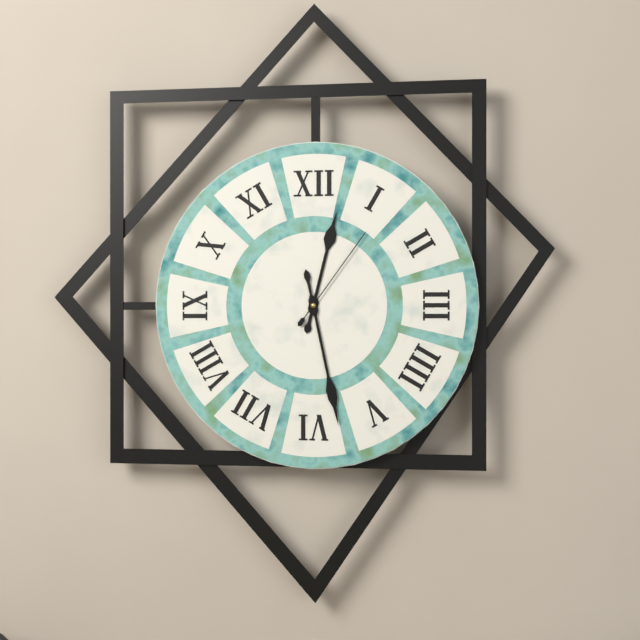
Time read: 12:28:06
